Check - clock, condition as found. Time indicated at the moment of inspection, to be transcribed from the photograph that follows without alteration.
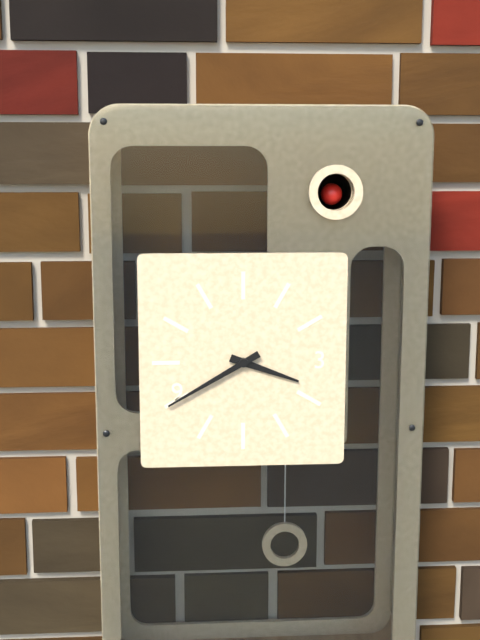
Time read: 3:40
